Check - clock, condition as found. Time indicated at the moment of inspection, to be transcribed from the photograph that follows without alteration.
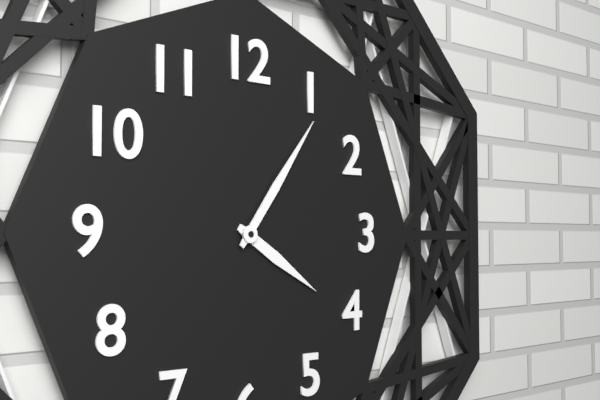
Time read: 4:06
